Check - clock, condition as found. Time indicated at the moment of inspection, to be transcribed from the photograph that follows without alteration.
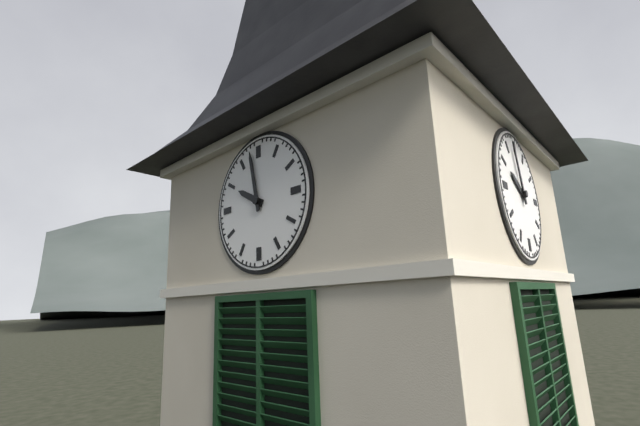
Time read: 9:58
